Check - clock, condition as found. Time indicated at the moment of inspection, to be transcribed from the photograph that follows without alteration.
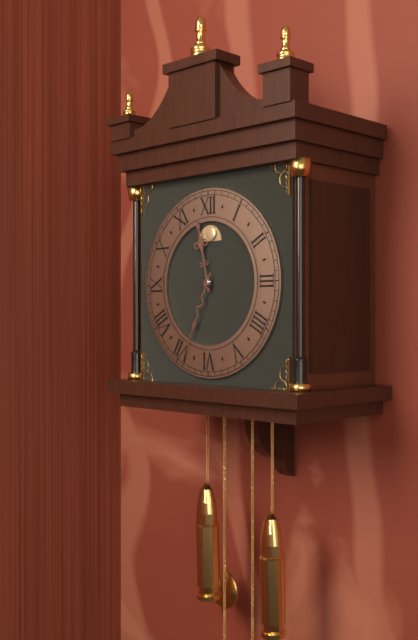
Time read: 11:34
